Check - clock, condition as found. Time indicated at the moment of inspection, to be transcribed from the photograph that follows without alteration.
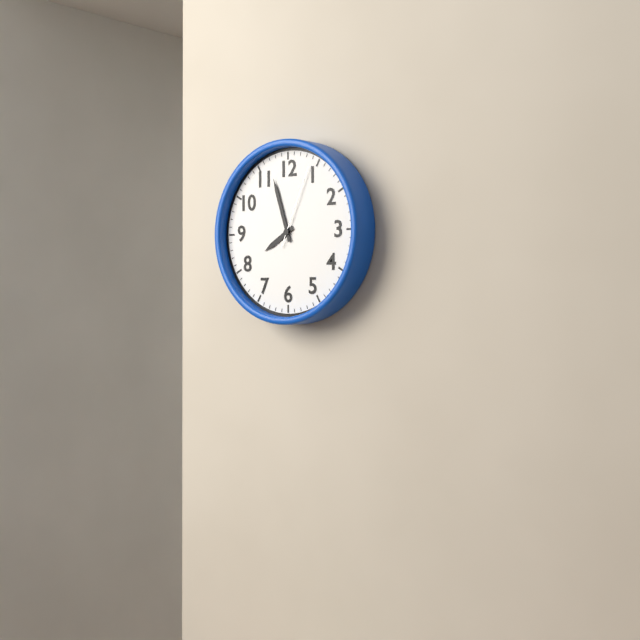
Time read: 7:57:04
